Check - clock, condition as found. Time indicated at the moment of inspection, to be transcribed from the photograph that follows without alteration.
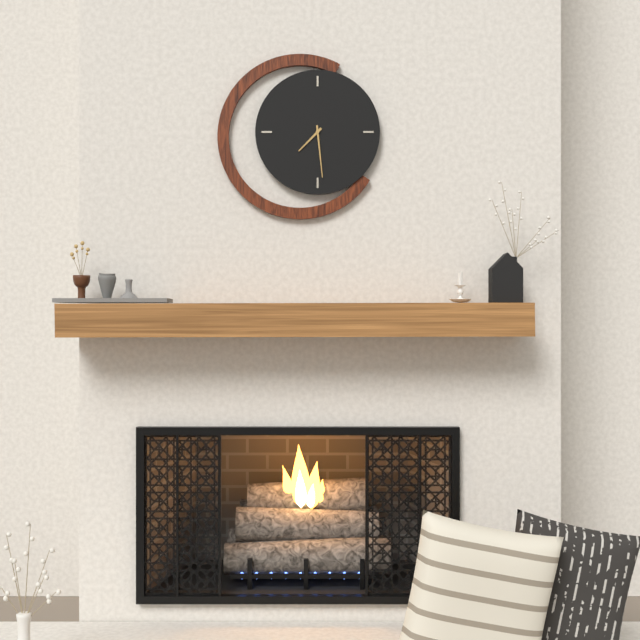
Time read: 7:29
